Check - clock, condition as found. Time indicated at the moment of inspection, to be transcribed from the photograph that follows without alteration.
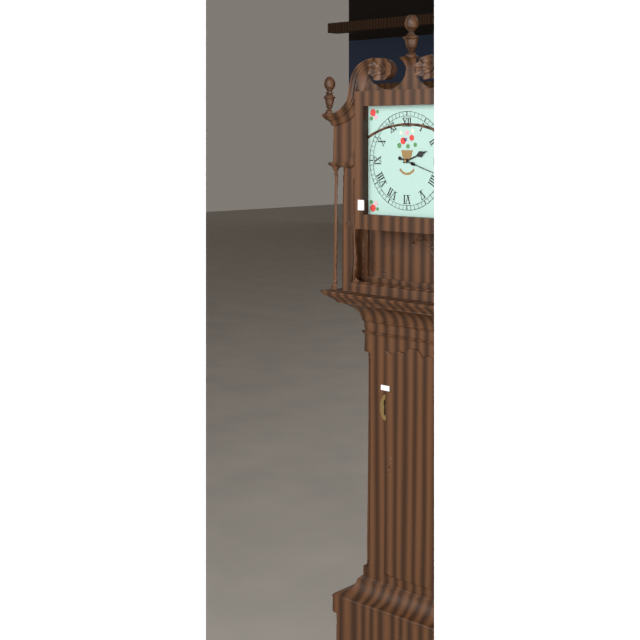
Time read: 2:18
